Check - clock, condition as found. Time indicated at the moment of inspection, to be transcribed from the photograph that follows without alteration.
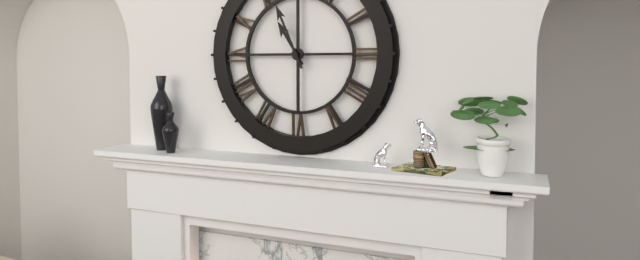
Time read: 10:56
